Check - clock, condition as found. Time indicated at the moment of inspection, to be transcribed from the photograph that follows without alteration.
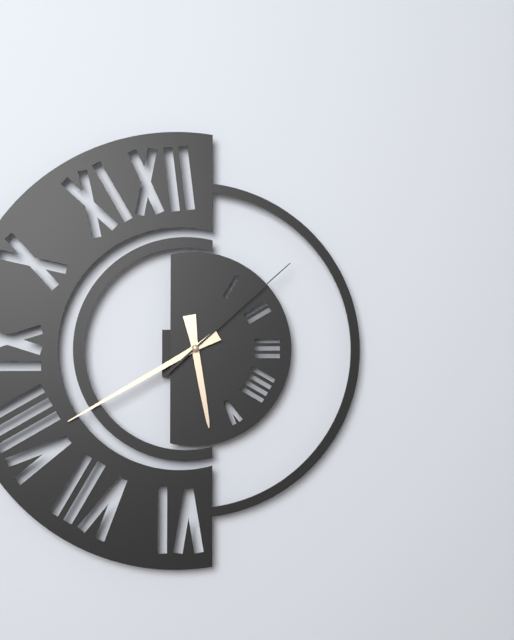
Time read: 5:40:08
